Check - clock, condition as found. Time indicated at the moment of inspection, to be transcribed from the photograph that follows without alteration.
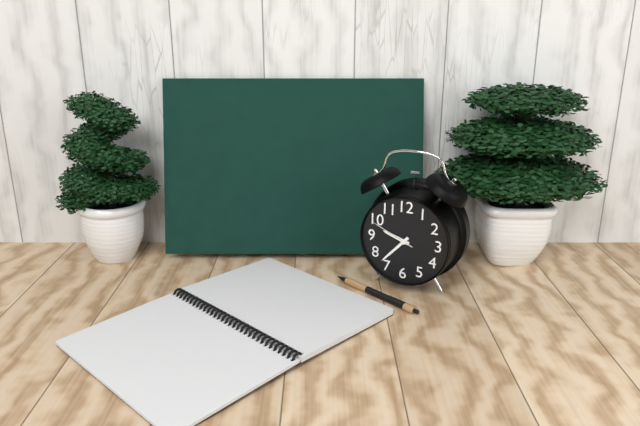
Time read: 9:37
